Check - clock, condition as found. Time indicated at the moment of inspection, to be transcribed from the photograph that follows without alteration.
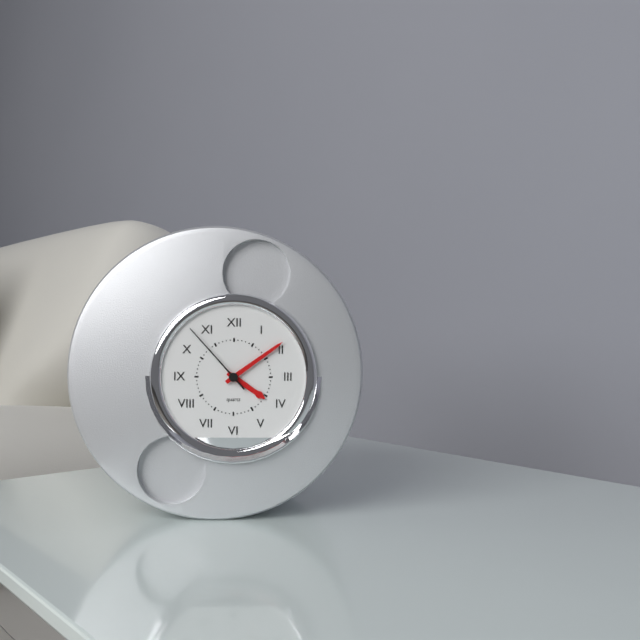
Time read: 4:09:53
